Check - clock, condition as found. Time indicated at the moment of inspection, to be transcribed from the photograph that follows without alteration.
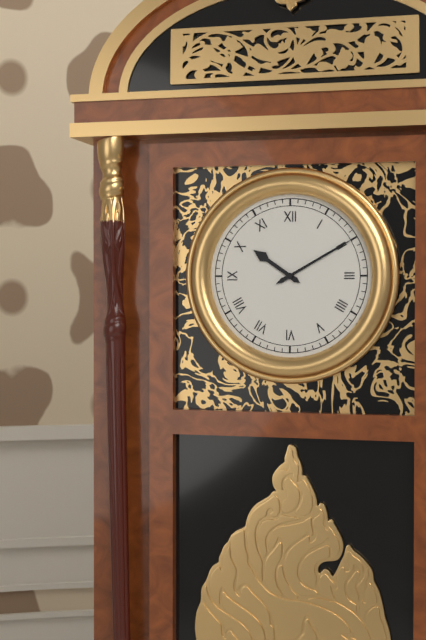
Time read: 10:10
